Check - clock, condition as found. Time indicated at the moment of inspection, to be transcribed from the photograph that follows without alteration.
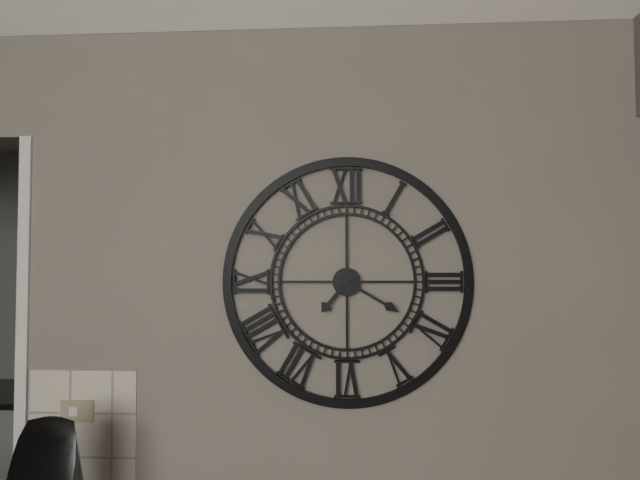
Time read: 7:20
